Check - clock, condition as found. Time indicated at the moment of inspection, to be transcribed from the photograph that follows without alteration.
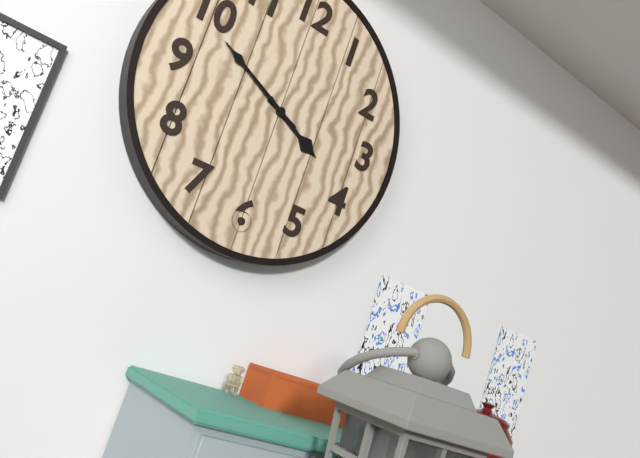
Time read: 3:49
